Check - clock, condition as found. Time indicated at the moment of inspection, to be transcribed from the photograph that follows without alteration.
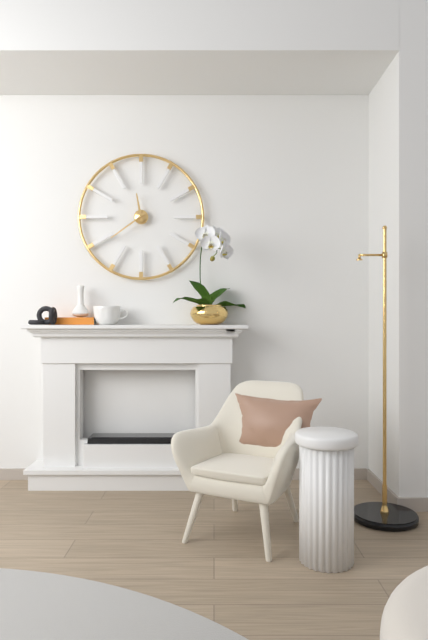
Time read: 11:39
